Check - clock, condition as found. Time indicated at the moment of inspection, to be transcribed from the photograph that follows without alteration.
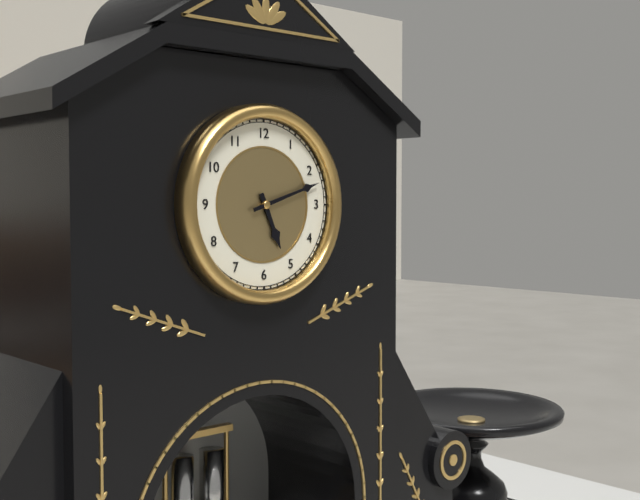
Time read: 5:12
